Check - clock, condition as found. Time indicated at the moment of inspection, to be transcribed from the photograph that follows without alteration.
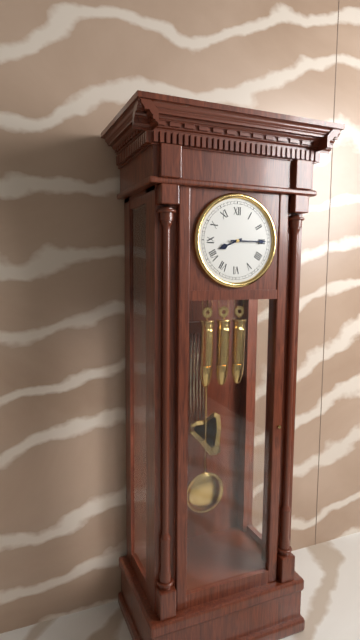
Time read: 8:15
